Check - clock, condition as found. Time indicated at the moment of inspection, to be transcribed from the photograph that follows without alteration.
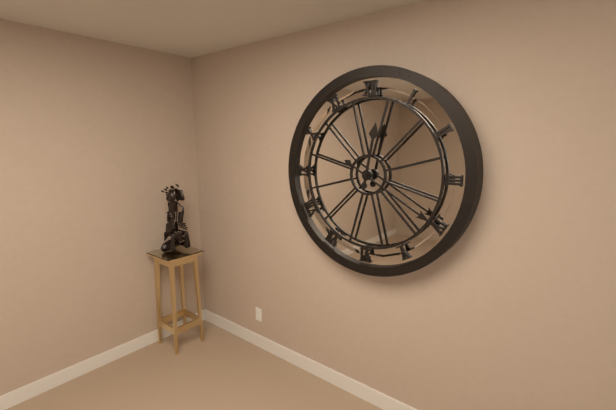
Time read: 12:20
